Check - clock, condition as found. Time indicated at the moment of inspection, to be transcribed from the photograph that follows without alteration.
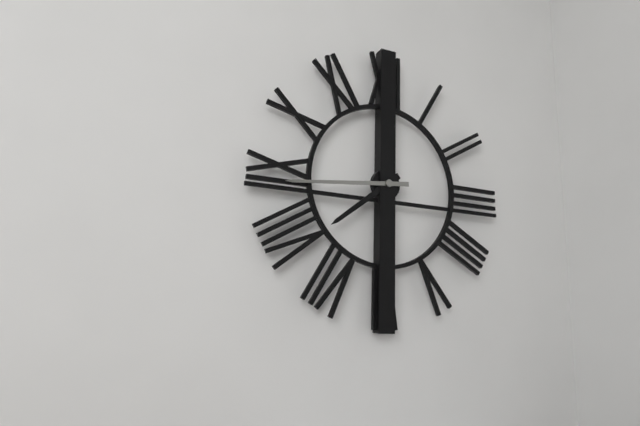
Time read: 7:44
